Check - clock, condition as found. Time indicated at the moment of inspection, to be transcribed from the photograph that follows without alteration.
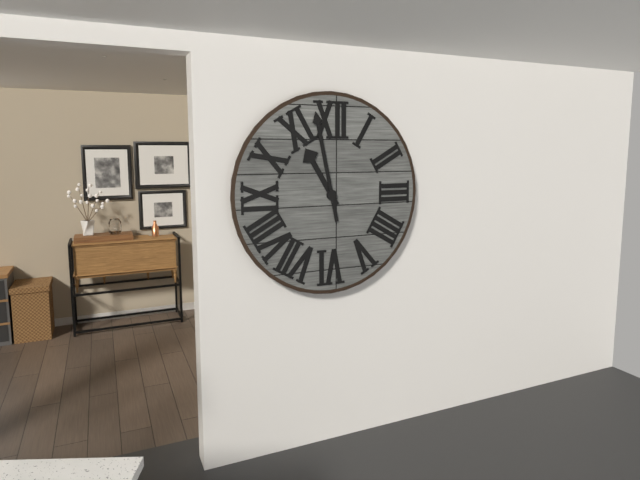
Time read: 10:58
